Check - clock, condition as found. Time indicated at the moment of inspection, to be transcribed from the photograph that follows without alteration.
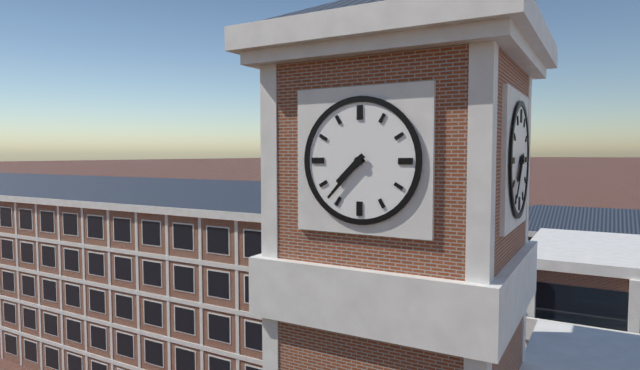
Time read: 7:37
